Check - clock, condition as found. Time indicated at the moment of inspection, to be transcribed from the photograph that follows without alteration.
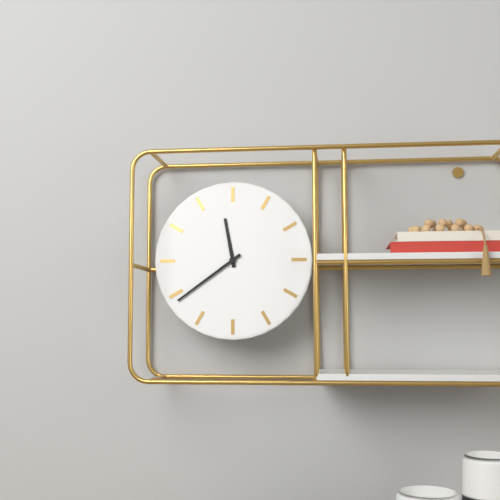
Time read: 11:39
